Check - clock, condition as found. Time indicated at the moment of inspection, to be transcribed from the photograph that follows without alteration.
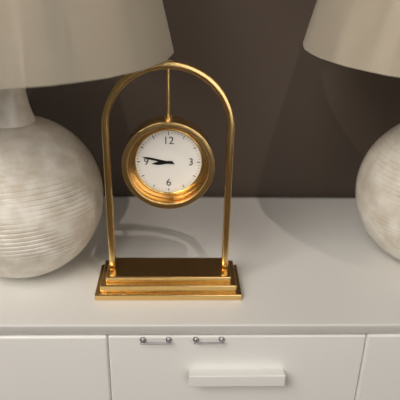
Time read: 8:47
